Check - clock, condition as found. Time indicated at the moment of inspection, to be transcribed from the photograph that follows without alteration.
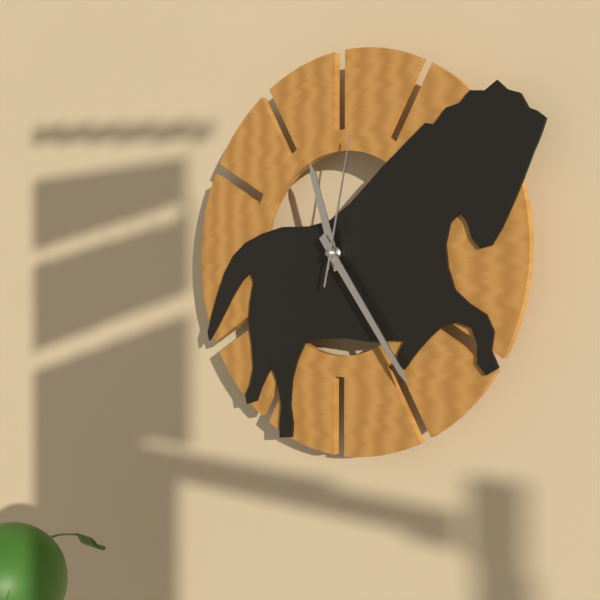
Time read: 11:24:02
